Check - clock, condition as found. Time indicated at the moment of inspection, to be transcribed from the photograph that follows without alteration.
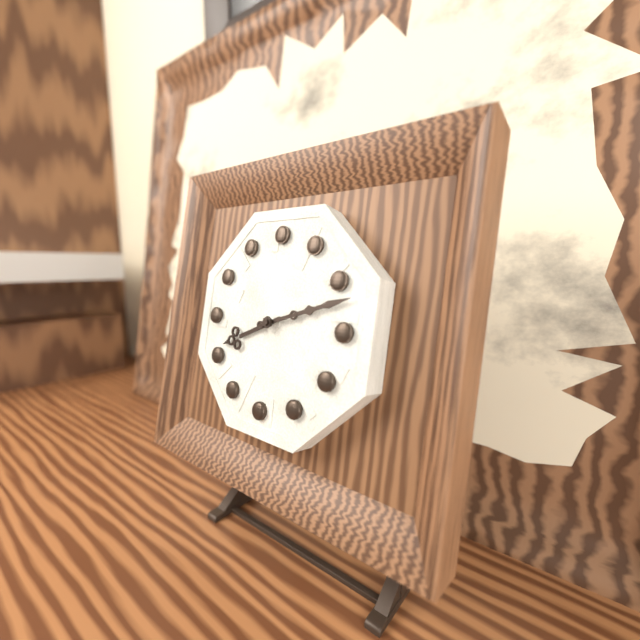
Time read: 8:12
